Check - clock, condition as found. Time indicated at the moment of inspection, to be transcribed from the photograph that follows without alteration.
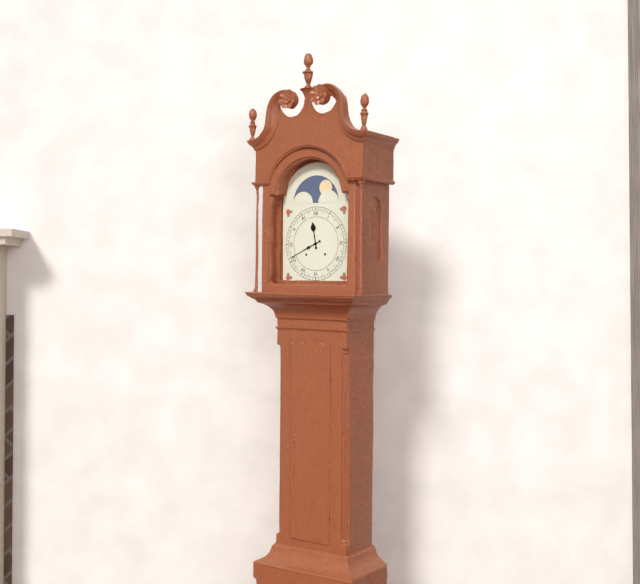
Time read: 11:41
